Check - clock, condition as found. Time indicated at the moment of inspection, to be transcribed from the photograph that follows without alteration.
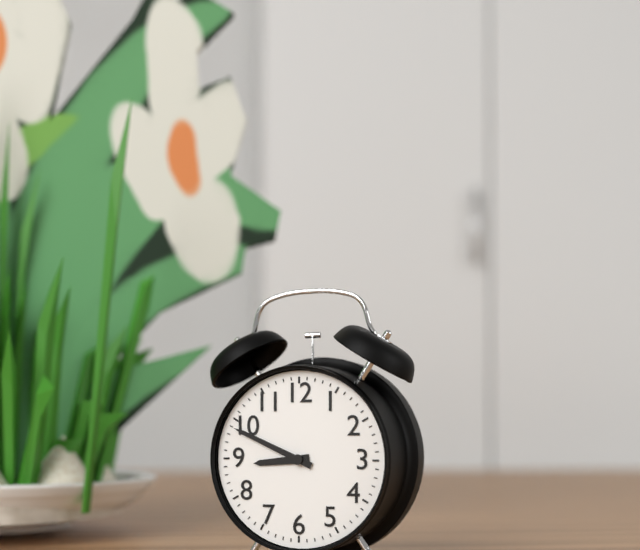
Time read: 8:49
